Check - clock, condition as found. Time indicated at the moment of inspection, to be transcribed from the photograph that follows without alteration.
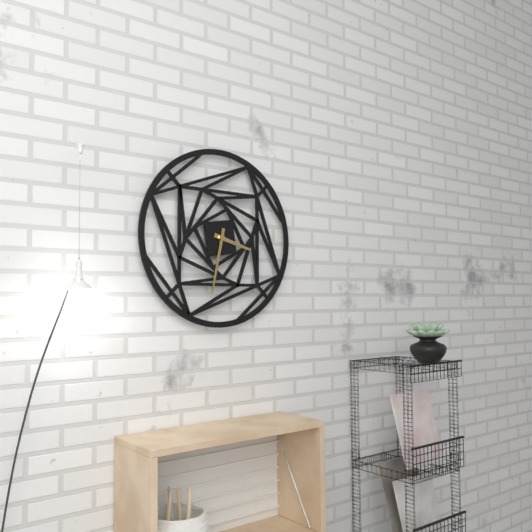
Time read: 3:32
